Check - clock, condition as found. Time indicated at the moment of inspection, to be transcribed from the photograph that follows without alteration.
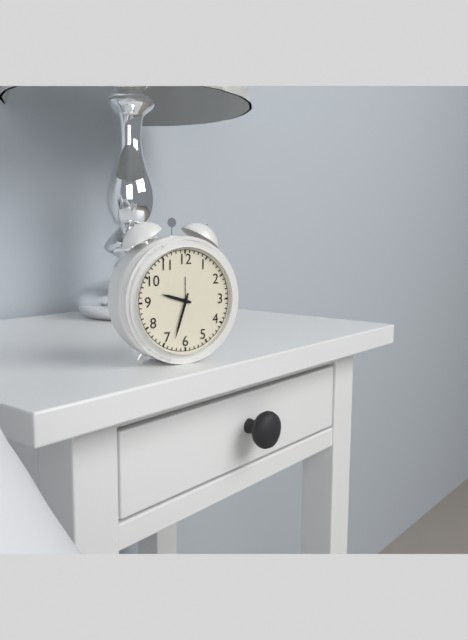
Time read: 9:33
